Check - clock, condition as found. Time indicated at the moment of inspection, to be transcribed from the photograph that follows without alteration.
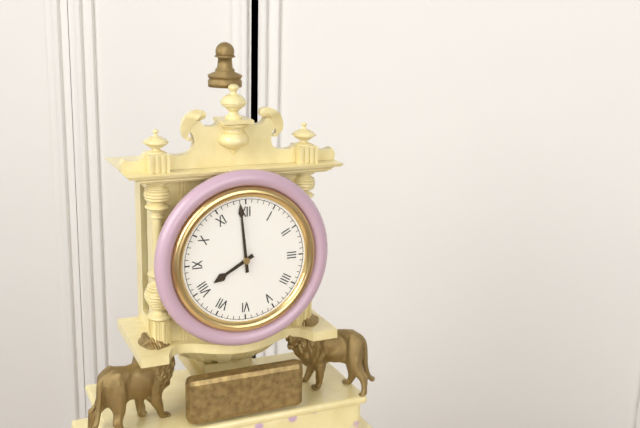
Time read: 7:59
